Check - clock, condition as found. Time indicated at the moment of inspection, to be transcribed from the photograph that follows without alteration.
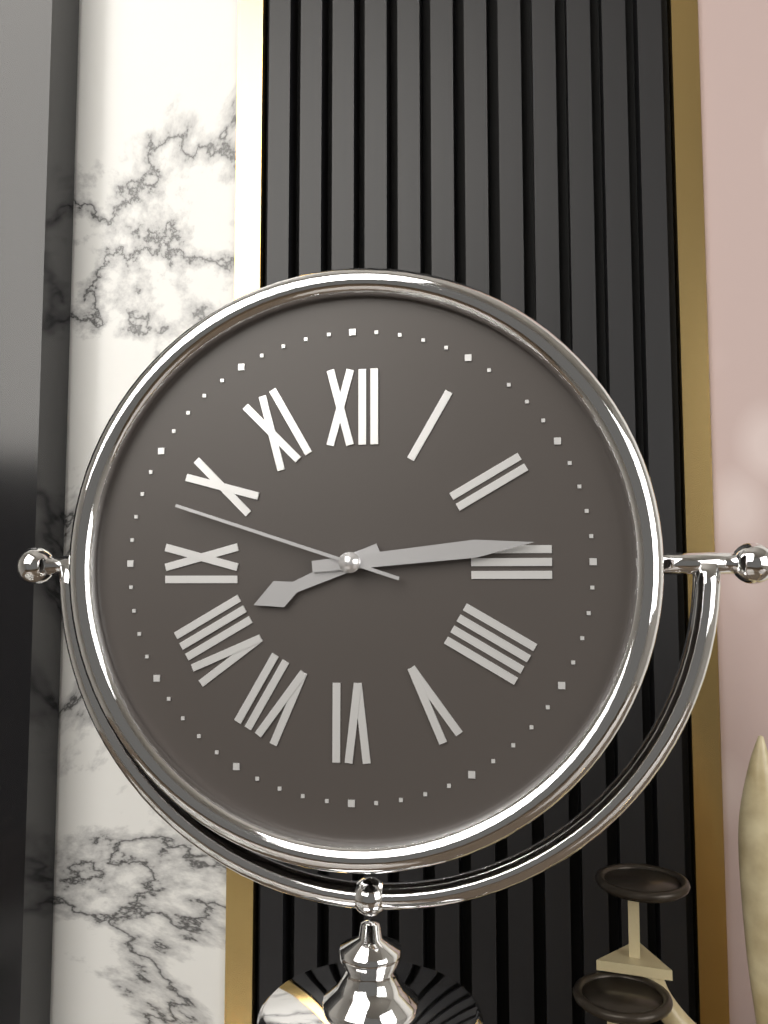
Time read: 8:14:48
